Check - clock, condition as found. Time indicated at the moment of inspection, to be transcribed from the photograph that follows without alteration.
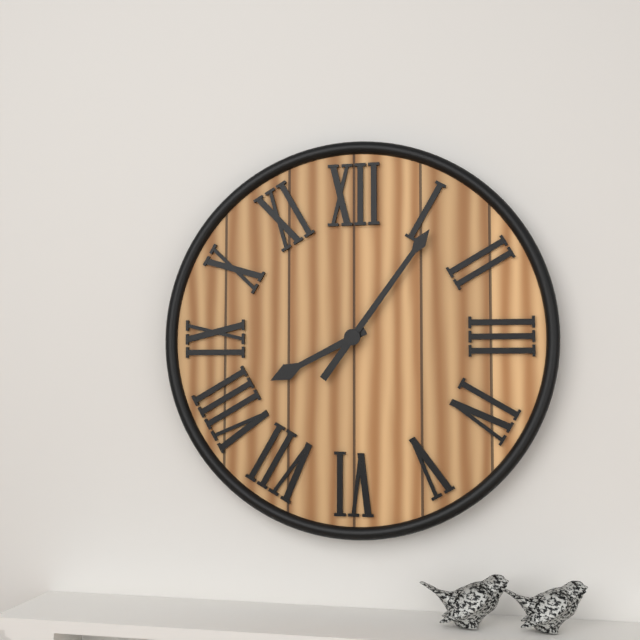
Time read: 8:06
